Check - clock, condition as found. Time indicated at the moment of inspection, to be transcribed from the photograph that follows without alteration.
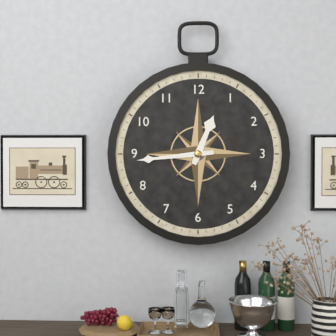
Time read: 12:44
